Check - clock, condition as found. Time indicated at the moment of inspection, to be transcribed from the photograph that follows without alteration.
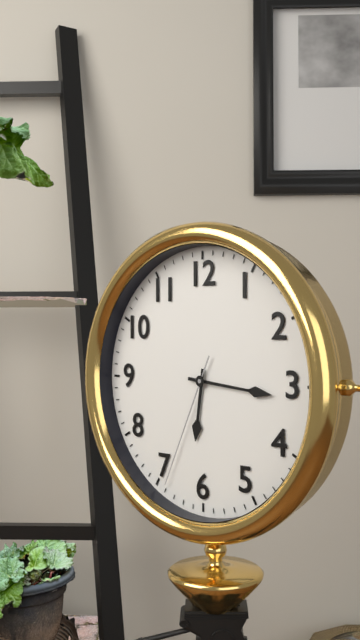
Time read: 6:16:34
